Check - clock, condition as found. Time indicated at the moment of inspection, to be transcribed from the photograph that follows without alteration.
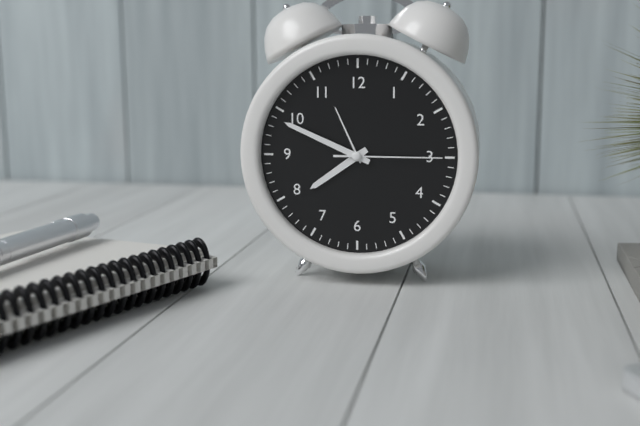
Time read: 7:49:15
